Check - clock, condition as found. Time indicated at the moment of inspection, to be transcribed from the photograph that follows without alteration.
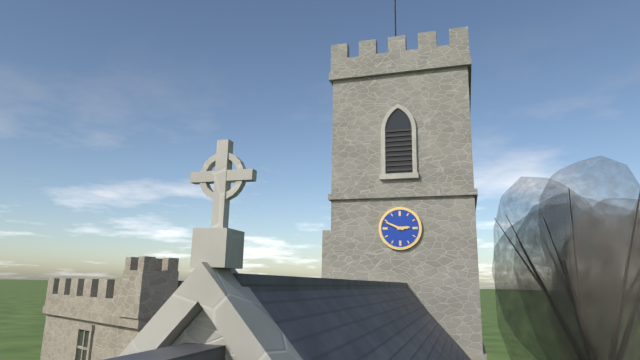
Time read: 2:49
